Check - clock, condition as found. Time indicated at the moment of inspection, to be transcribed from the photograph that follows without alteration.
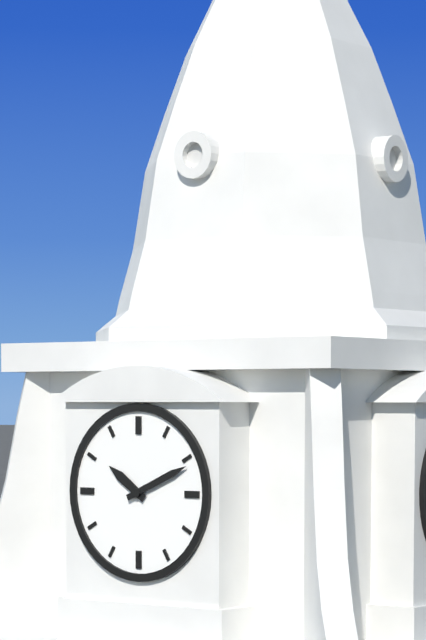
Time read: 10:11
